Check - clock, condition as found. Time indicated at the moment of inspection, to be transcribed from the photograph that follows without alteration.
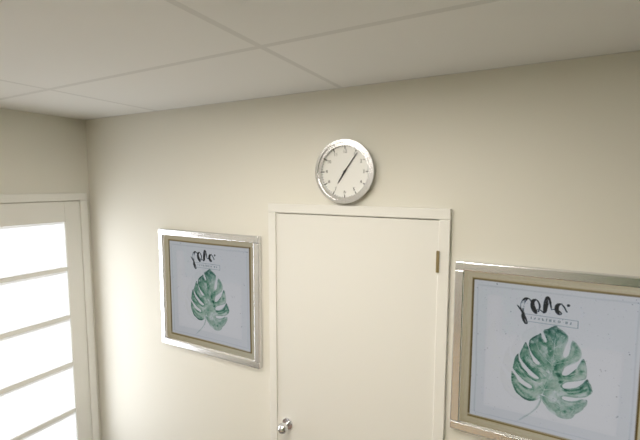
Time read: 7:06
